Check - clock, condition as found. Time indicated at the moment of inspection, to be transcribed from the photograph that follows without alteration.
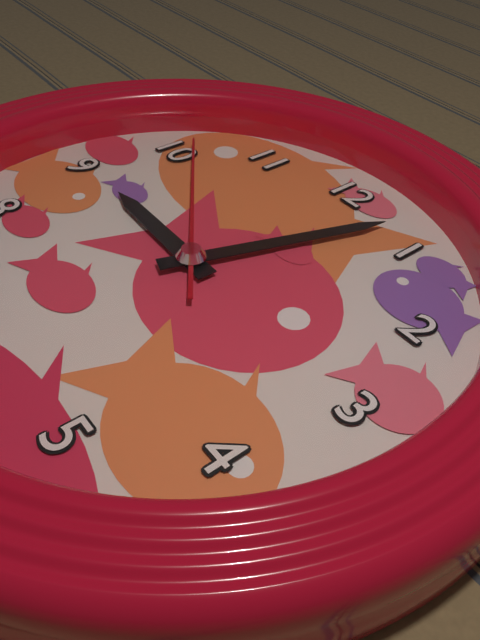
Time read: 9:03:51
